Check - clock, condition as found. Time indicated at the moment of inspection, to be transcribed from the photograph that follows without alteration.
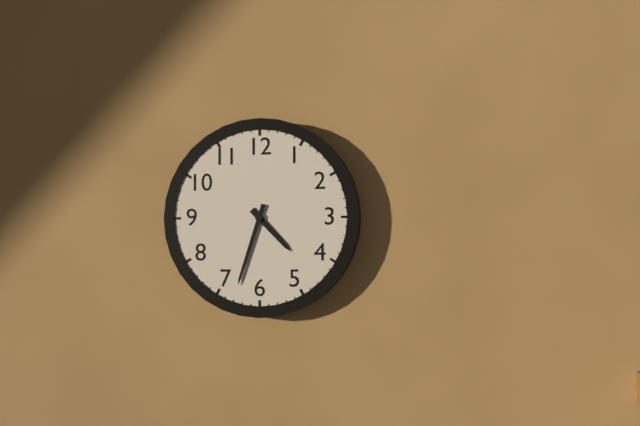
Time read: 4:33
